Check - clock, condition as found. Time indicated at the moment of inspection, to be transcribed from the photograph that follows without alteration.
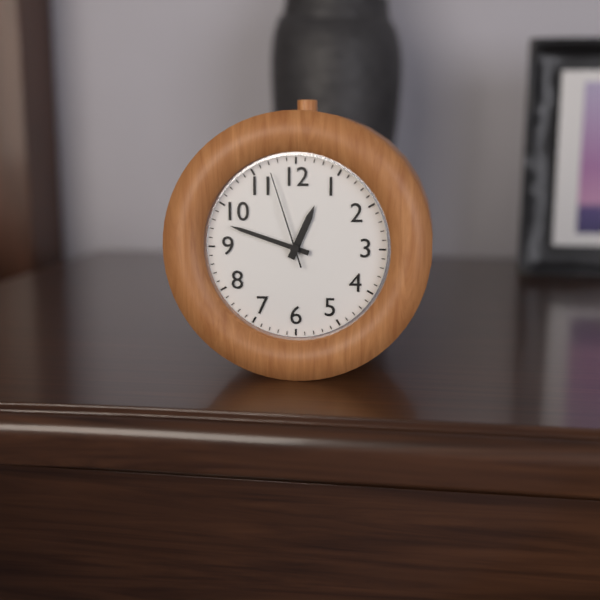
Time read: 12:48:57
